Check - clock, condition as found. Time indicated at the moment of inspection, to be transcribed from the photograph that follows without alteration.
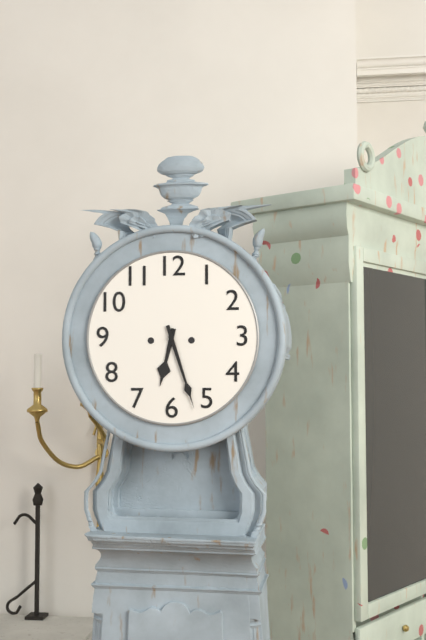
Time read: 6:27
